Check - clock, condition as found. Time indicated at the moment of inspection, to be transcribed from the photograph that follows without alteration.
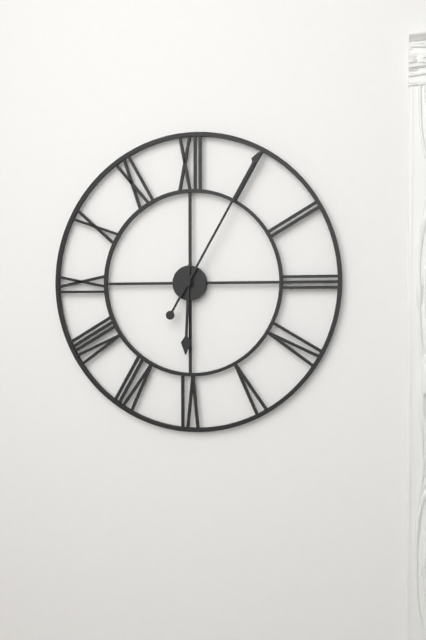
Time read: 6:05
